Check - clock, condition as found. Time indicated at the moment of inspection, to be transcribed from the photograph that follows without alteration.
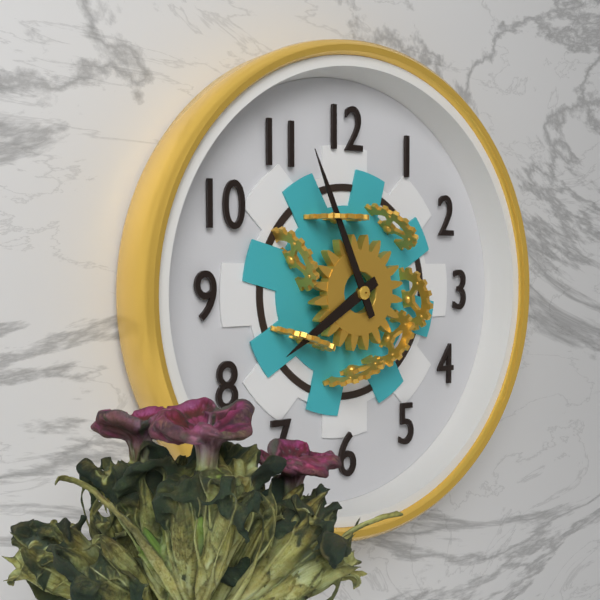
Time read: 7:56
